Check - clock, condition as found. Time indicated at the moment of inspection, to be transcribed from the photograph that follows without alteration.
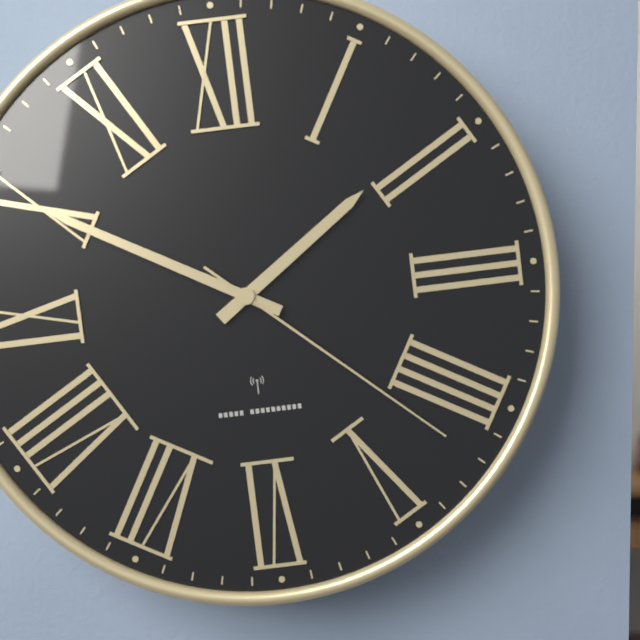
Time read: 1:50:22
